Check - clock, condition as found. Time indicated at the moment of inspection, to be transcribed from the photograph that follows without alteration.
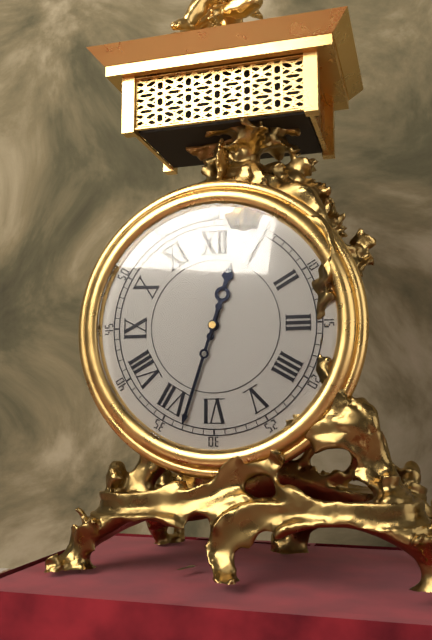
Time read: 12:33
